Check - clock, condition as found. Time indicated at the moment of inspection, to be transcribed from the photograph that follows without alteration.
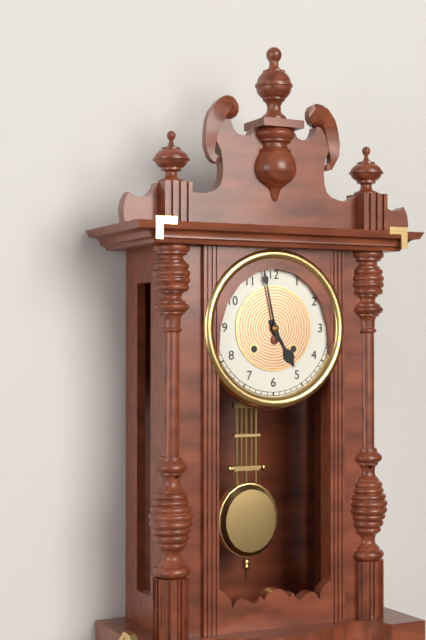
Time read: 4:58
